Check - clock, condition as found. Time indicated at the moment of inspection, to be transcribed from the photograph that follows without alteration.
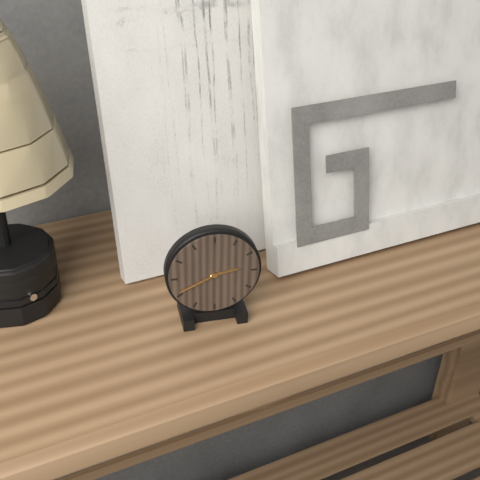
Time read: 2:41
